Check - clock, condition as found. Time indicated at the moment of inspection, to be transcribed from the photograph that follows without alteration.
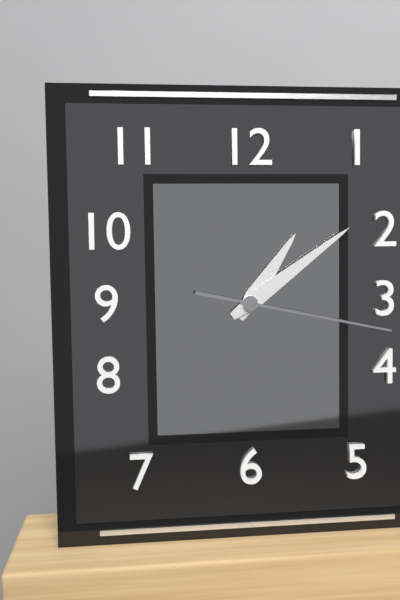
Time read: 1:09:17
